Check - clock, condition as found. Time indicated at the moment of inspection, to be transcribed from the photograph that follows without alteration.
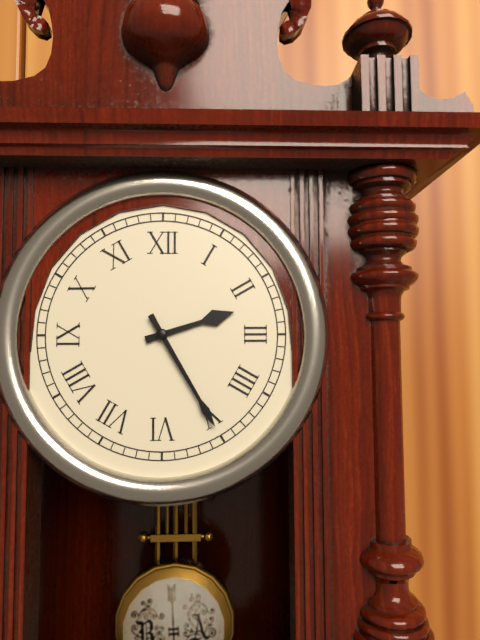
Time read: 2:25
